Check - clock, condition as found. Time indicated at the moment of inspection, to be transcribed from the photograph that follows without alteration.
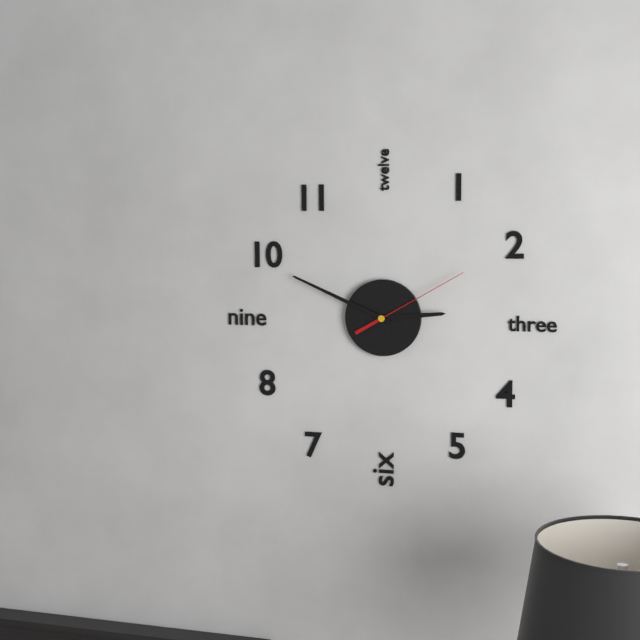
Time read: 2:49:10
